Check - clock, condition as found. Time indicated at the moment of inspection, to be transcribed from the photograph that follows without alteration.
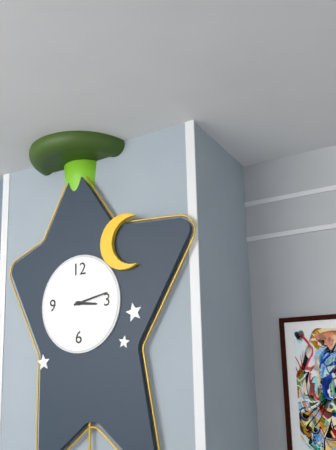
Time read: 3:13
